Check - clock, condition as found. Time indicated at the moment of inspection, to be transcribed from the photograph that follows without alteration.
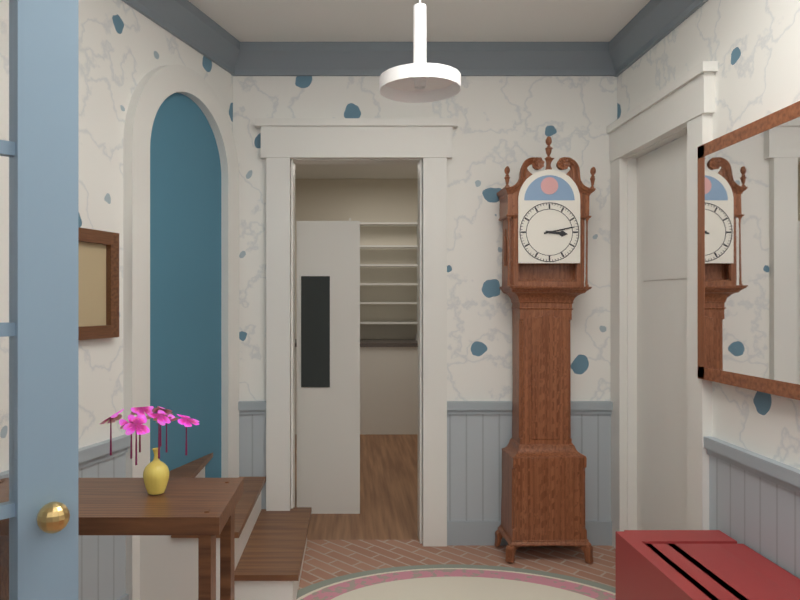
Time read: 3:13
